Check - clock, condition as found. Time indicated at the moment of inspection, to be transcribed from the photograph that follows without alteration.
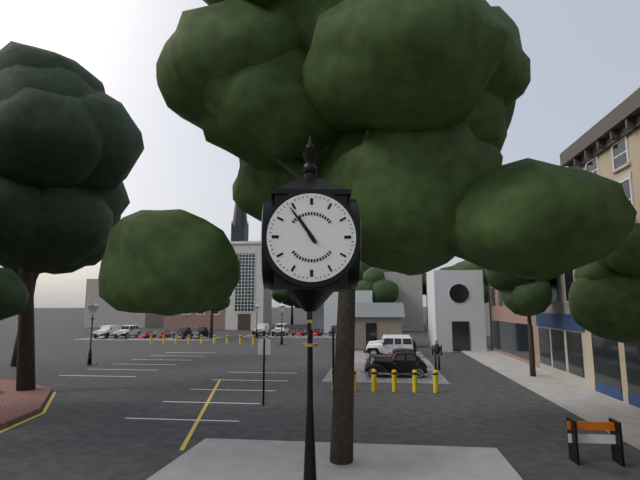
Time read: 10:54
